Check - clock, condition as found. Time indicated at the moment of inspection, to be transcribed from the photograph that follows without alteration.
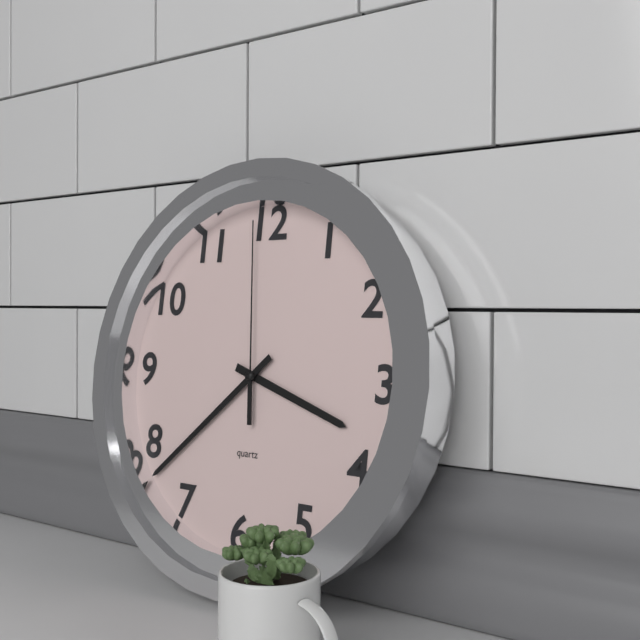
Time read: 3:38:59
